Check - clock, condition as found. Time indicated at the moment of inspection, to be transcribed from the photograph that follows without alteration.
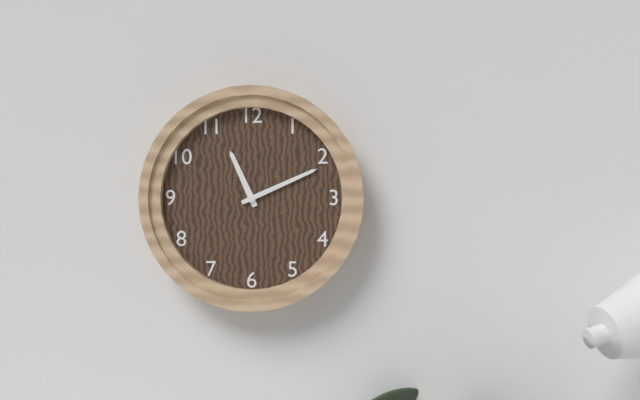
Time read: 11:11
